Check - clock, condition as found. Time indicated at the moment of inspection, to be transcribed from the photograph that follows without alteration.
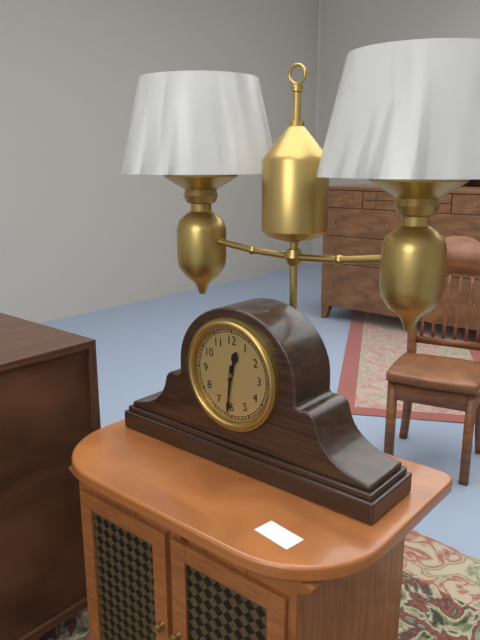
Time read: 12:31
